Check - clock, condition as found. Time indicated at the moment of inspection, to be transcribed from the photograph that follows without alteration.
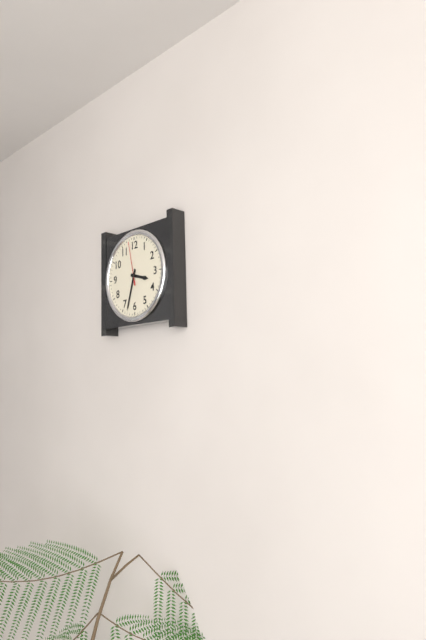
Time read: 3:33
